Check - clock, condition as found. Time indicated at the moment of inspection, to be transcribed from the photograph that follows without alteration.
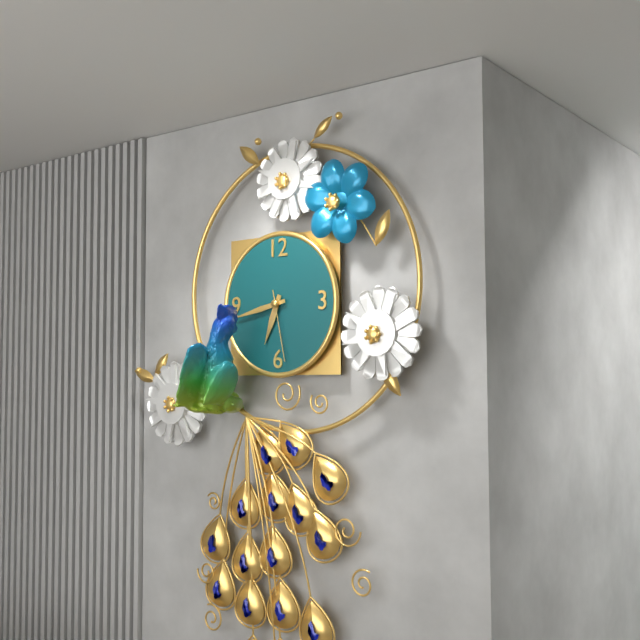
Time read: 6:43:28
